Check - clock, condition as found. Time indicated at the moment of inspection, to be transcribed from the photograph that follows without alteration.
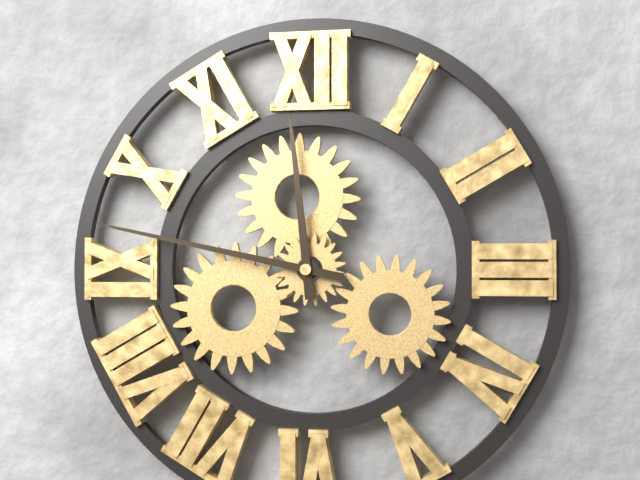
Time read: 11:47
